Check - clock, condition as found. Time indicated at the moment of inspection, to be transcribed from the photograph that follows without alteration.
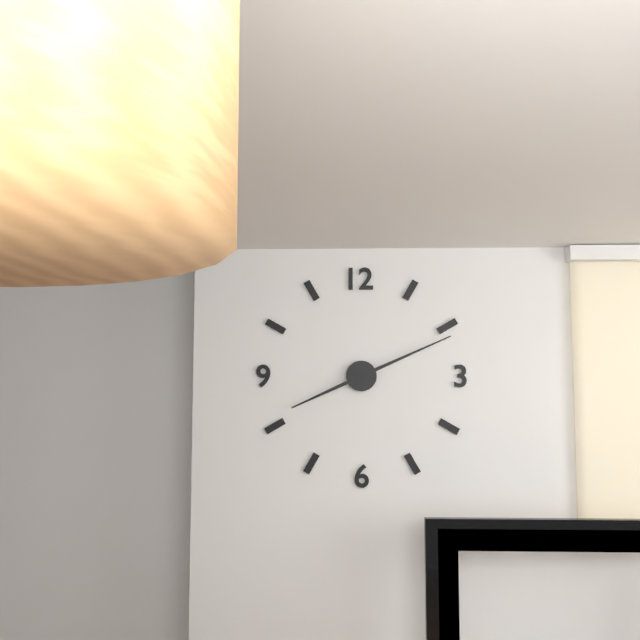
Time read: 8:11
